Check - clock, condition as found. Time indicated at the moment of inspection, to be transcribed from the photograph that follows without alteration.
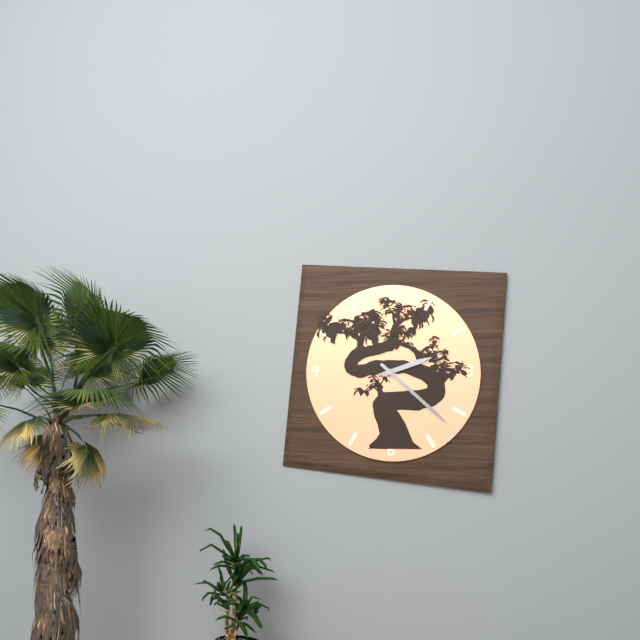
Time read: 2:22
